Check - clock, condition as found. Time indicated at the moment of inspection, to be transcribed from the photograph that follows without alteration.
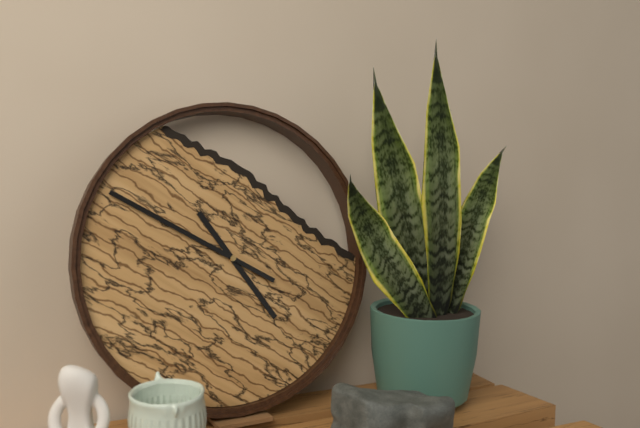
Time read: 4:50
